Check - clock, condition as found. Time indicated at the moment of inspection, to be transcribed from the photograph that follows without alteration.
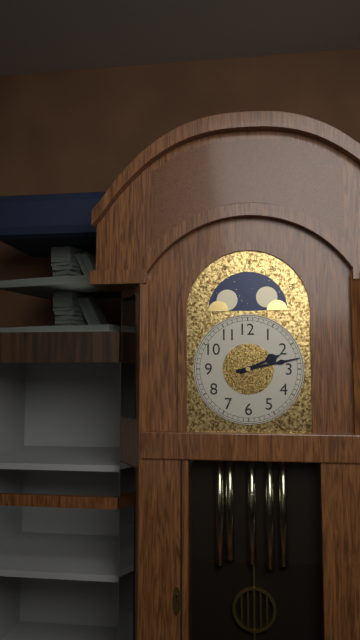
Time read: 2:13
